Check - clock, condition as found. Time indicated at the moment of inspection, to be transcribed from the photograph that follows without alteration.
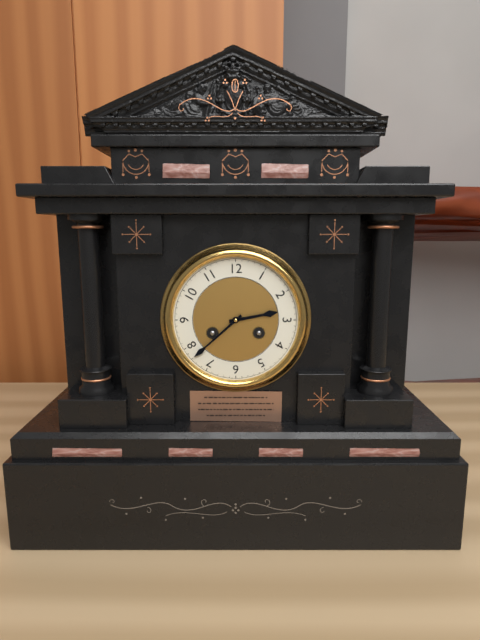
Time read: 2:38
